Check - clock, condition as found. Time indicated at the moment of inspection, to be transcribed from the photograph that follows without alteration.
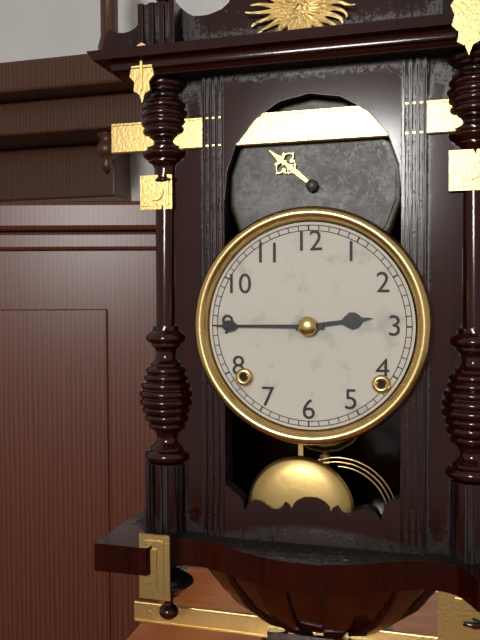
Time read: 2:45
